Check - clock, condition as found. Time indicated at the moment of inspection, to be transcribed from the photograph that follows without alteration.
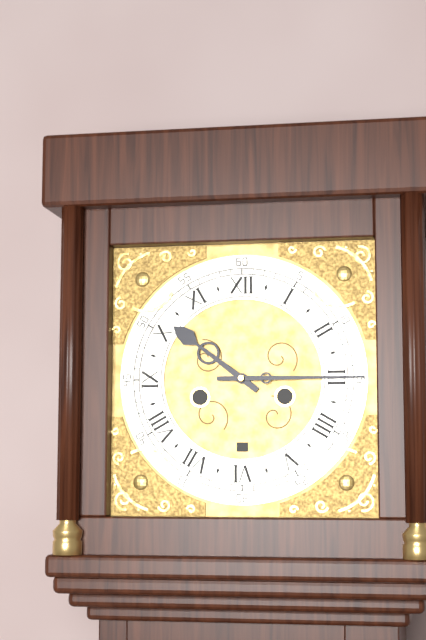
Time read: 10:15
